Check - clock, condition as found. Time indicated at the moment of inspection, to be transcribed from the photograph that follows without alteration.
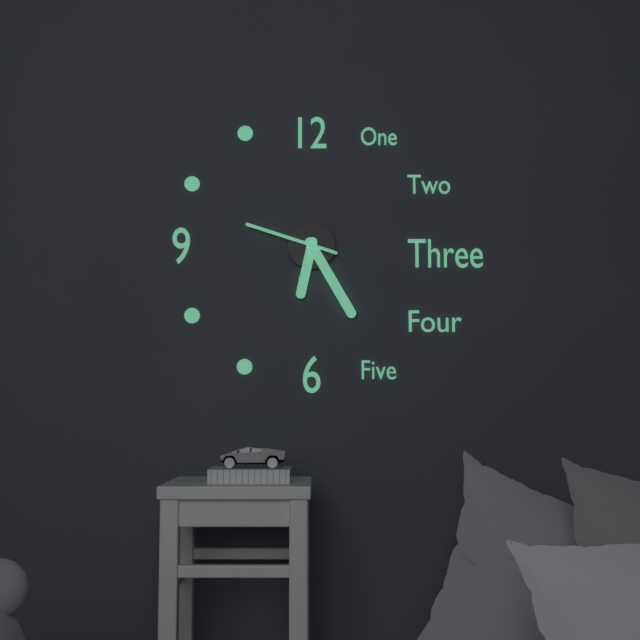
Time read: 6:25:48
